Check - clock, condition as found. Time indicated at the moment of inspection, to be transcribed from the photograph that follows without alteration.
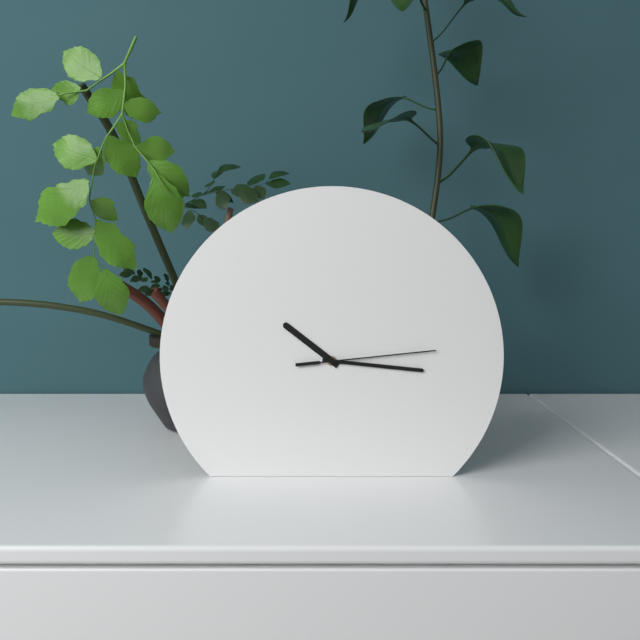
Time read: 10:16:14
